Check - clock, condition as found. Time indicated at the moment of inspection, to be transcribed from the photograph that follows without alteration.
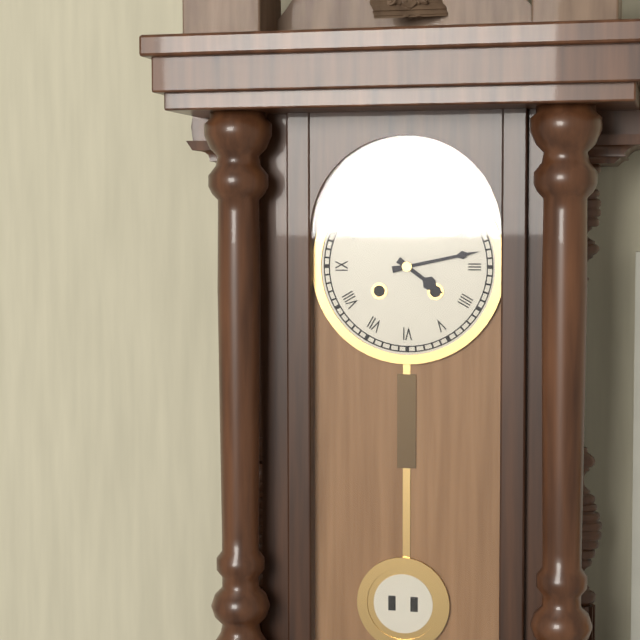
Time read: 4:13
